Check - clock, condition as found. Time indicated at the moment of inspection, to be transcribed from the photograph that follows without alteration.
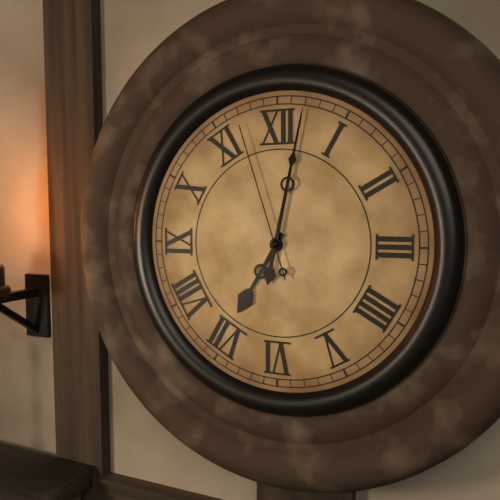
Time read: 7:02:57
